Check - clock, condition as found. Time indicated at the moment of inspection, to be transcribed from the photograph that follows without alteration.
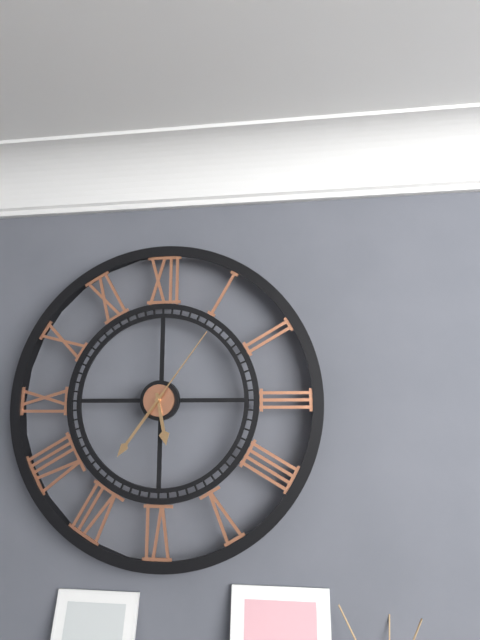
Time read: 5:36:06
